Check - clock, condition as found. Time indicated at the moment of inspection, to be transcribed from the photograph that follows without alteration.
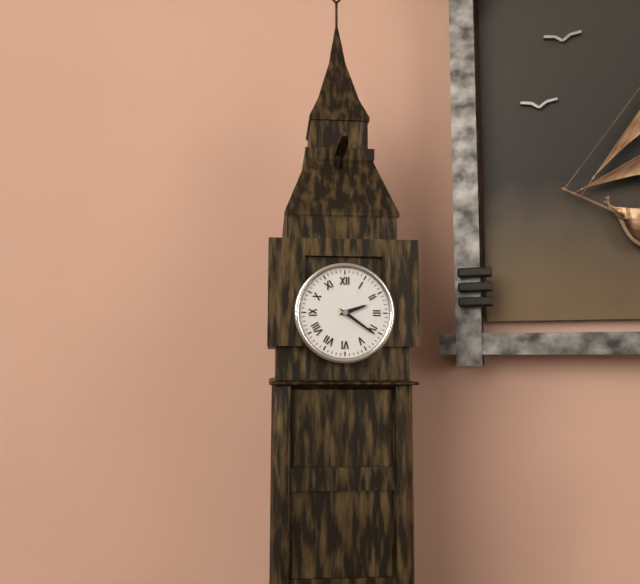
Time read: 2:21
